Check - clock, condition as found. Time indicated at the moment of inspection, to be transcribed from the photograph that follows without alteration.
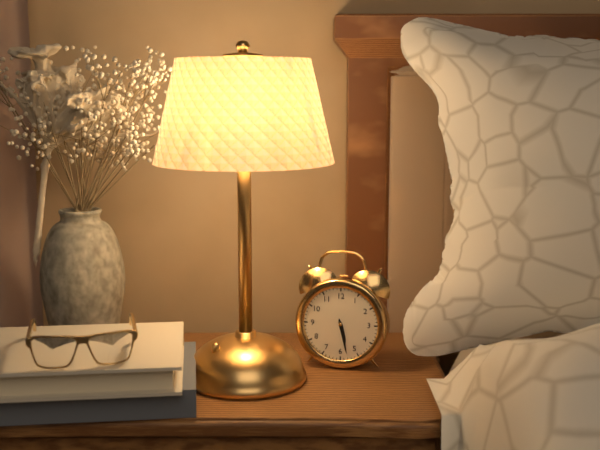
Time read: 5:28
